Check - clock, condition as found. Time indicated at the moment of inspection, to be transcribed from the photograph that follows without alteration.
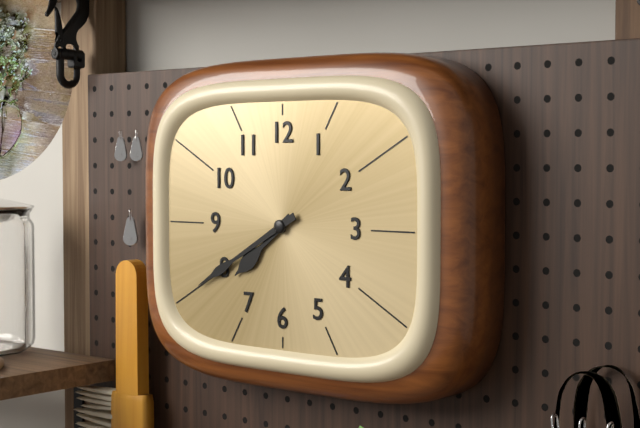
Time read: 7:40
